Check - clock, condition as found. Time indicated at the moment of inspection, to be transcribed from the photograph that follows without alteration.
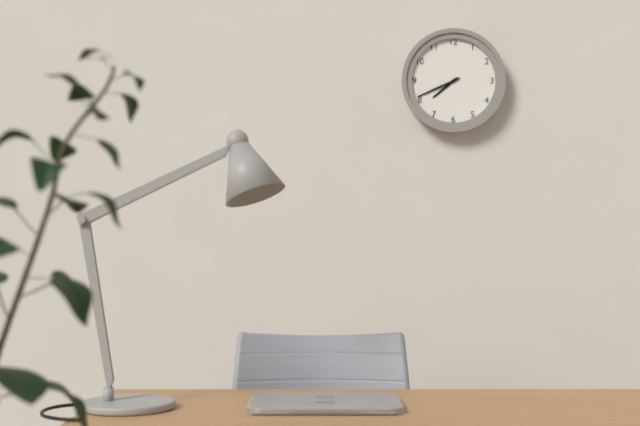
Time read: 7:41
